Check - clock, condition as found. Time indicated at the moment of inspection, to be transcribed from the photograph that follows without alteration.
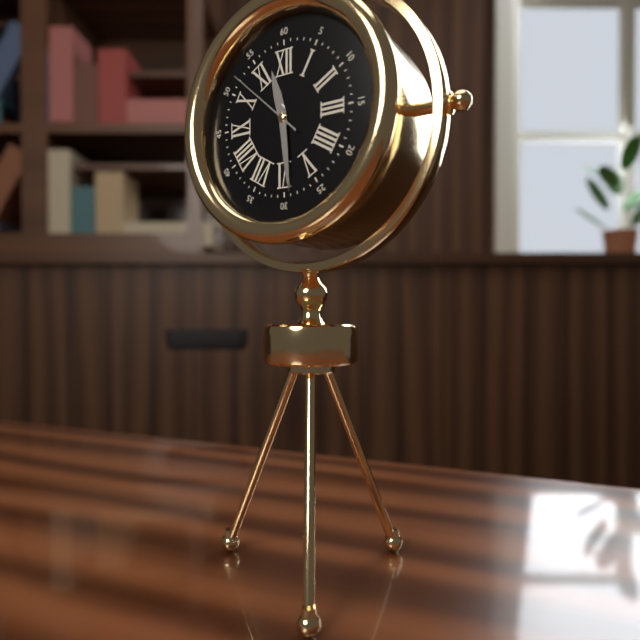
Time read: 11:29:52
